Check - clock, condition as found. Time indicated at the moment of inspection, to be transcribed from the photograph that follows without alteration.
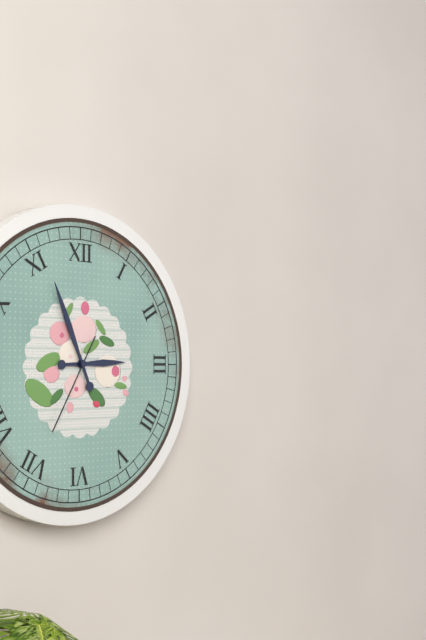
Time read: 2:56:35
